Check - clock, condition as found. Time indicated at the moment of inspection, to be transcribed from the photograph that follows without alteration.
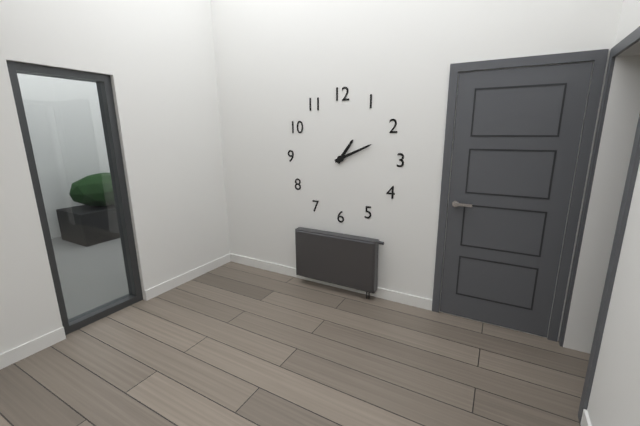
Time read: 1:11
